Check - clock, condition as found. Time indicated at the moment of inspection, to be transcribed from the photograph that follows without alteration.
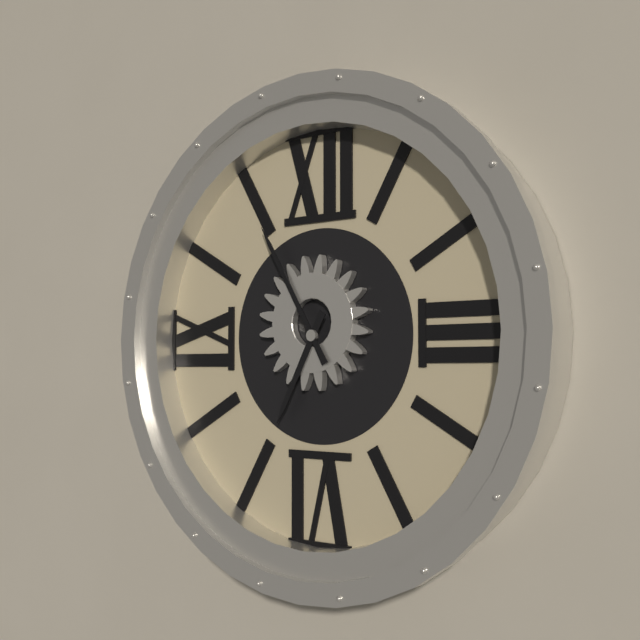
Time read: 6:55
